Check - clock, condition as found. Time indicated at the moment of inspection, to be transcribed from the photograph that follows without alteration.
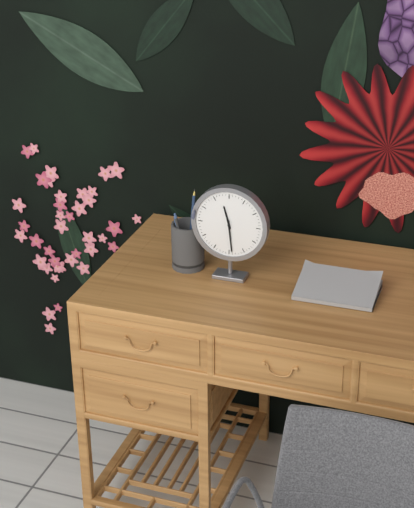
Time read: 11:29
